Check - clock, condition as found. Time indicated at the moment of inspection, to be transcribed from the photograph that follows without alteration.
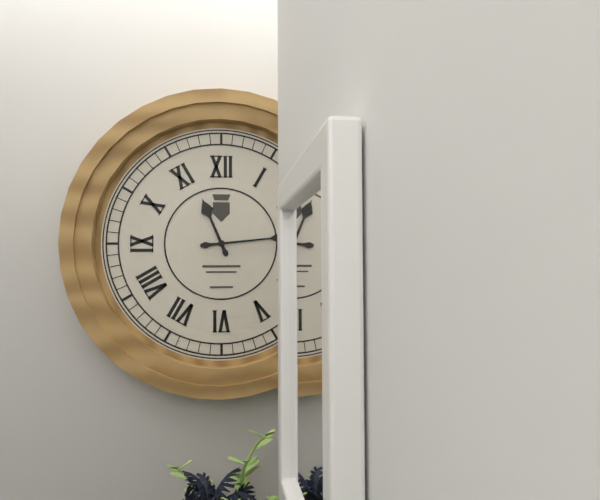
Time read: 11:14
